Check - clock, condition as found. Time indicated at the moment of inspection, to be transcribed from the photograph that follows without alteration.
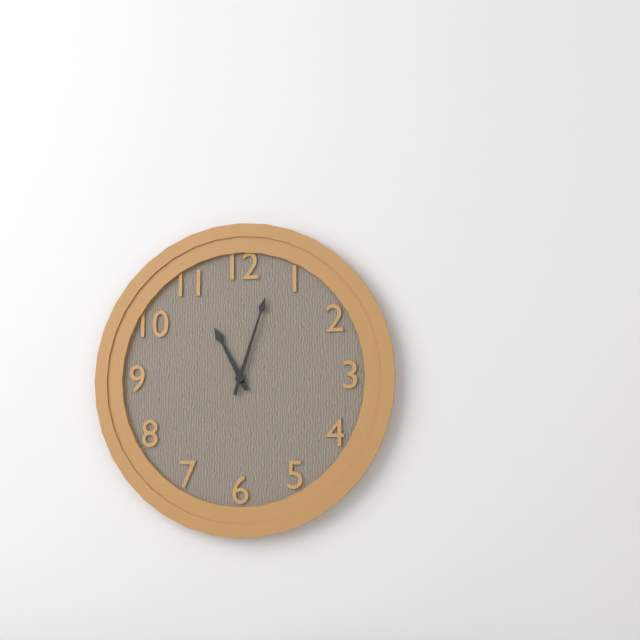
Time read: 11:03
